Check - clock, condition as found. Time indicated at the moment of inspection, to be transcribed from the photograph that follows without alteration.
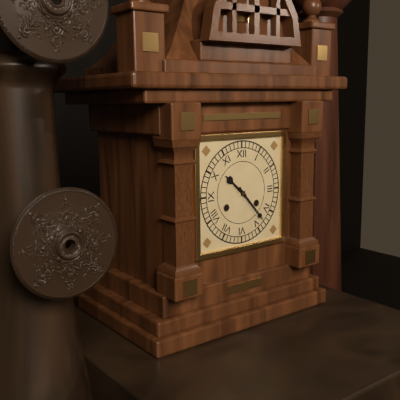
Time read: 10:23
